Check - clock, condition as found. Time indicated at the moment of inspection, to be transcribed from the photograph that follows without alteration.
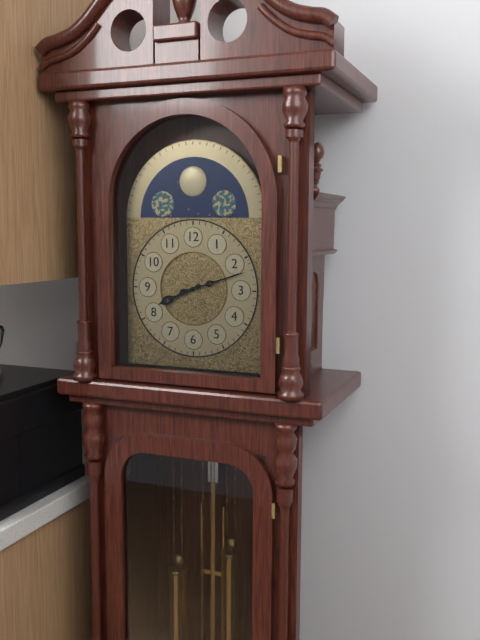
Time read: 8:12
